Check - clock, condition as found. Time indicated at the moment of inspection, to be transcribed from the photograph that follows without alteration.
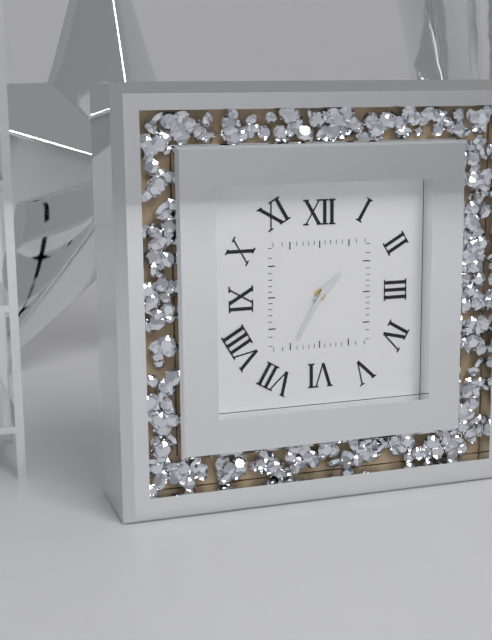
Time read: 1:35
